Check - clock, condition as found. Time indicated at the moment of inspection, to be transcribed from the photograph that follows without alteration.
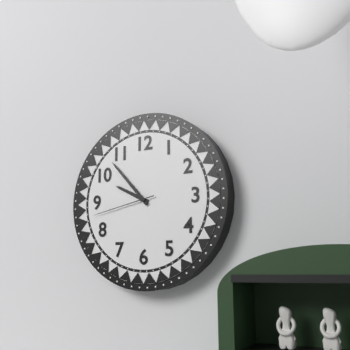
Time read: 9:53:43
